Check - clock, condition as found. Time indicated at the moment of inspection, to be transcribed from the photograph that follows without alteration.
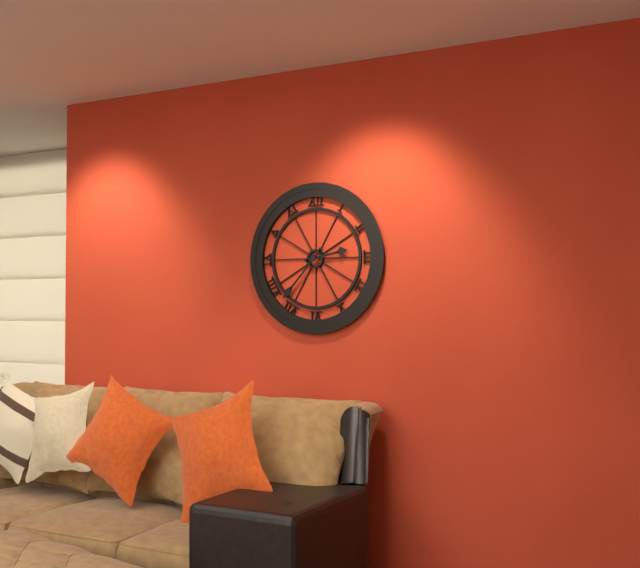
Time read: 2:37
